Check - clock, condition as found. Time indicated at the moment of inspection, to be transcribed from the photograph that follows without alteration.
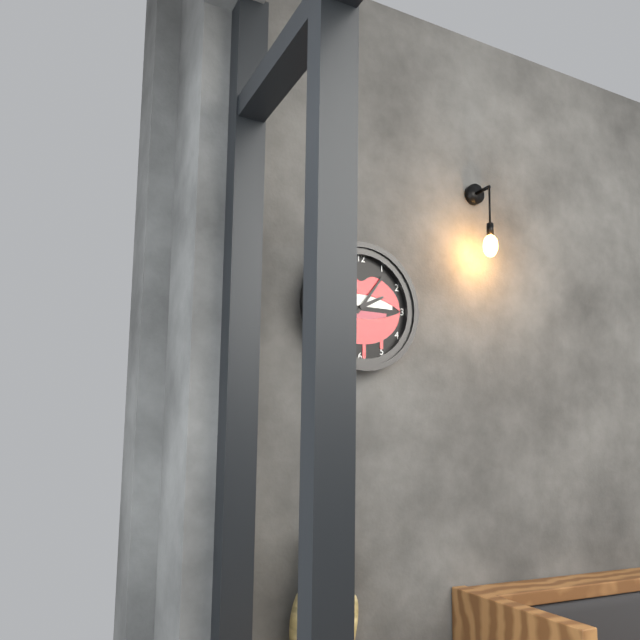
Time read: 2:06
